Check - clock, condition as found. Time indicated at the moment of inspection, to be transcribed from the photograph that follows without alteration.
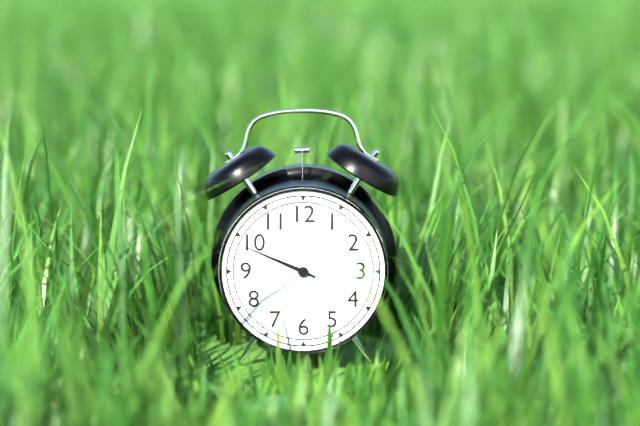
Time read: 9:49
